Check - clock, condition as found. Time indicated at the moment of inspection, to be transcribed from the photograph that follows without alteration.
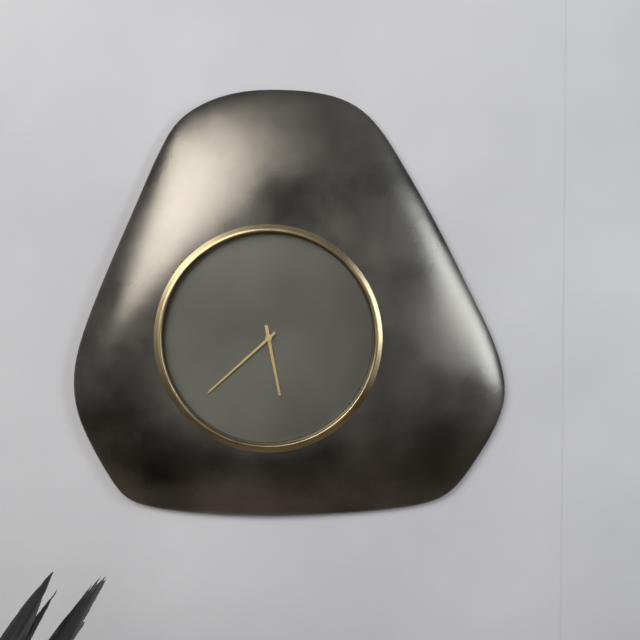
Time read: 5:38
